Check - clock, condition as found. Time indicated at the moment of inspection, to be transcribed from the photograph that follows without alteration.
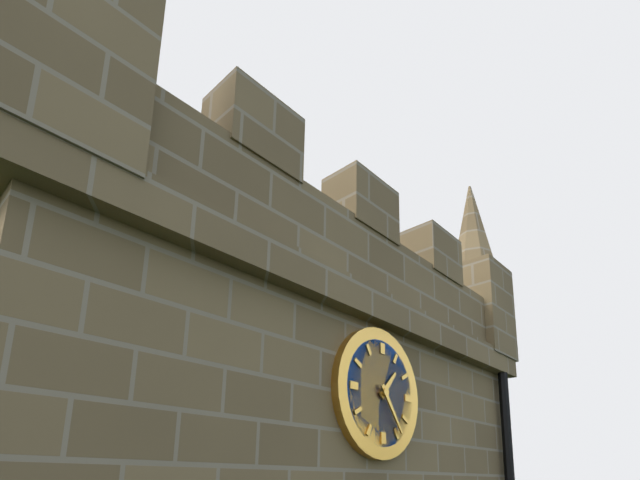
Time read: 1:24
